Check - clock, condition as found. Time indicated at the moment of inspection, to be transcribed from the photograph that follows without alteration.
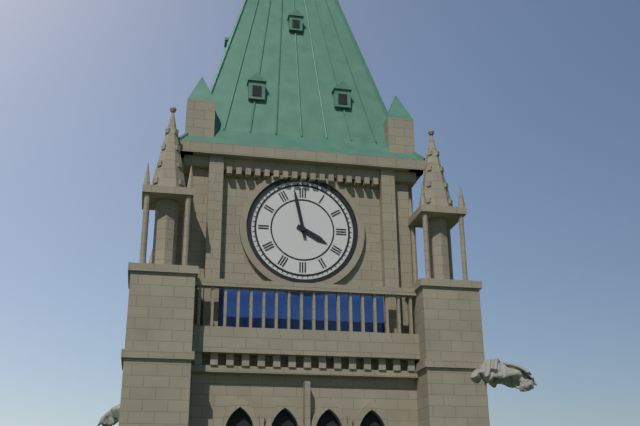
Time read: 3:58
